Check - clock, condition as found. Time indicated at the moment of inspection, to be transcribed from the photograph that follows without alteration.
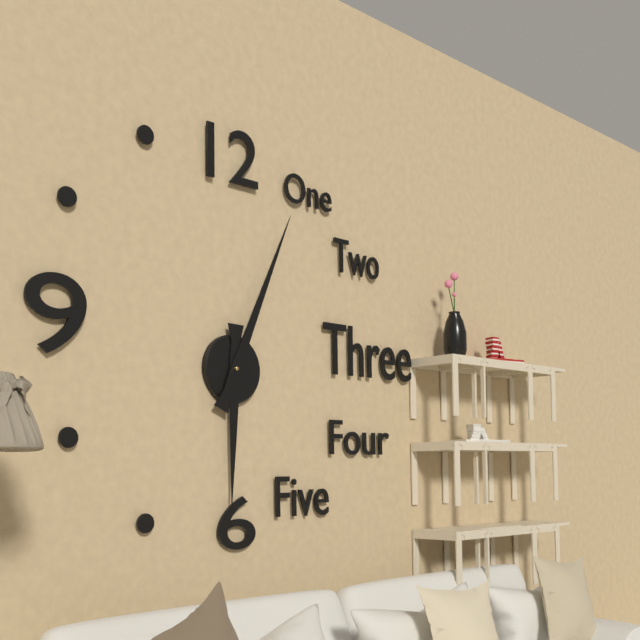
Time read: 6:04
